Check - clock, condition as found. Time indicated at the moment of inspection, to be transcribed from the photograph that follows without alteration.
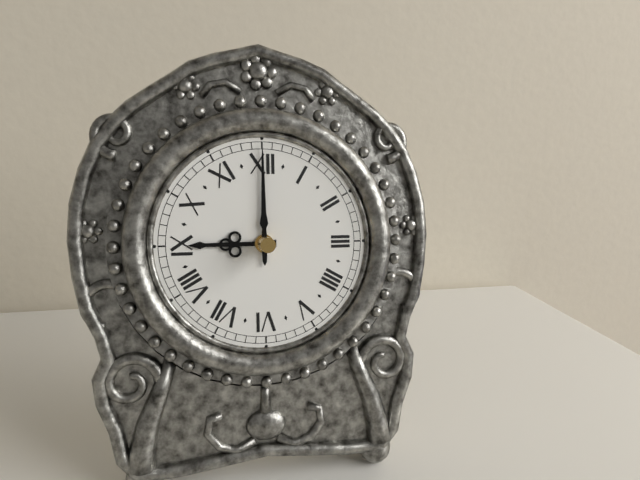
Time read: 9:00
